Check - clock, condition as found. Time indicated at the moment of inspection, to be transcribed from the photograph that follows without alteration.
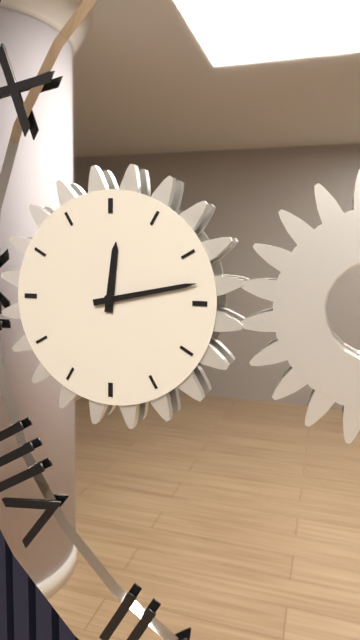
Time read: 12:13
